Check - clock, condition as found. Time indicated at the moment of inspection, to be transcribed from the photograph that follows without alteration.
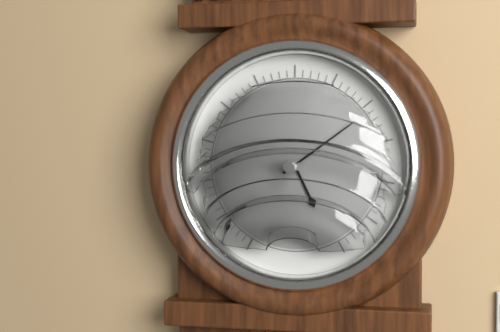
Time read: 5:09
